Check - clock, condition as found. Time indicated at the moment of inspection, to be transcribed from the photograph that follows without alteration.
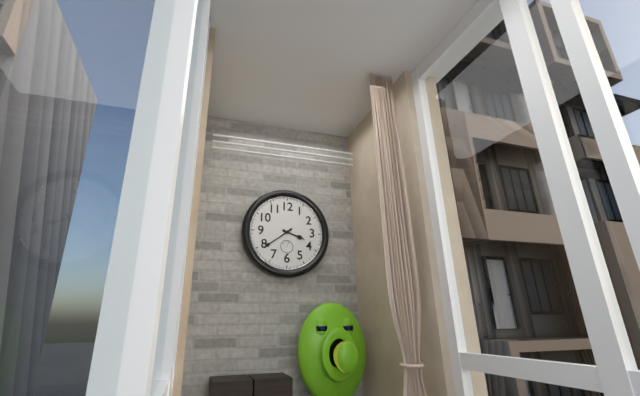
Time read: 3:39
